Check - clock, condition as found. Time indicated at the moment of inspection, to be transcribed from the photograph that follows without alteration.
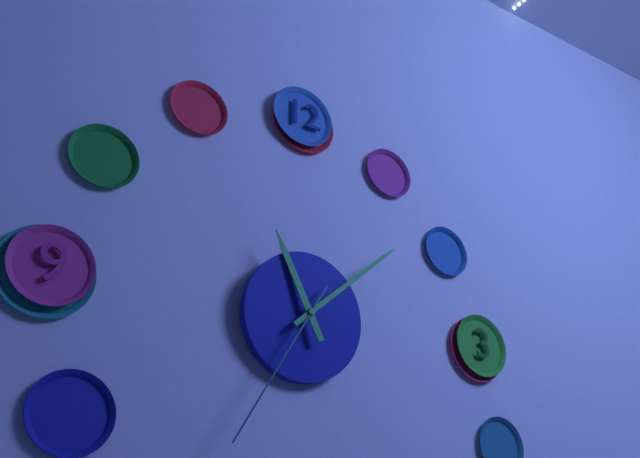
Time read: 11:08:35
